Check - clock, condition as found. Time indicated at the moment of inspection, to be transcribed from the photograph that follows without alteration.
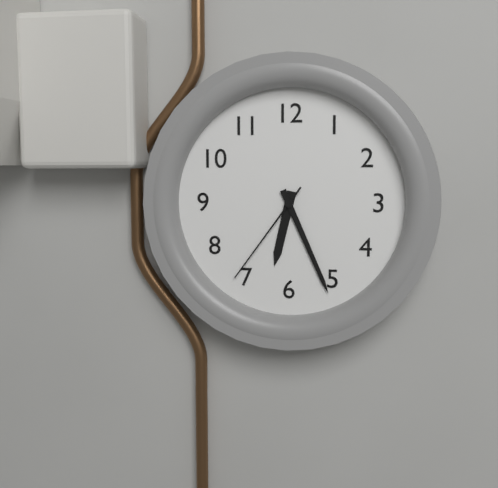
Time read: 6:26:36
